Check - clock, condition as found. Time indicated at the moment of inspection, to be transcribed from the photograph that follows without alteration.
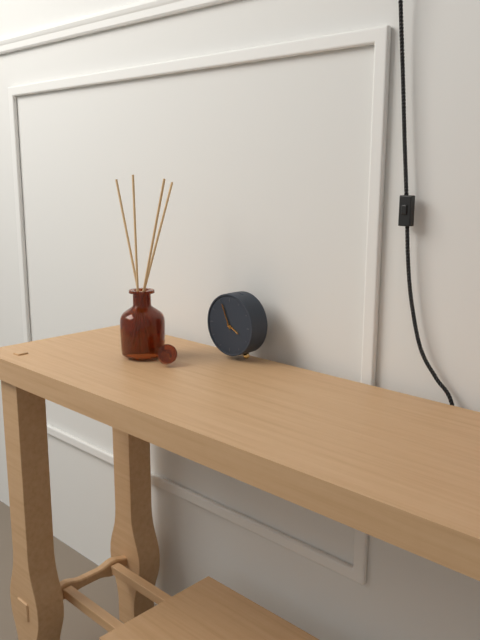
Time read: 3:56
